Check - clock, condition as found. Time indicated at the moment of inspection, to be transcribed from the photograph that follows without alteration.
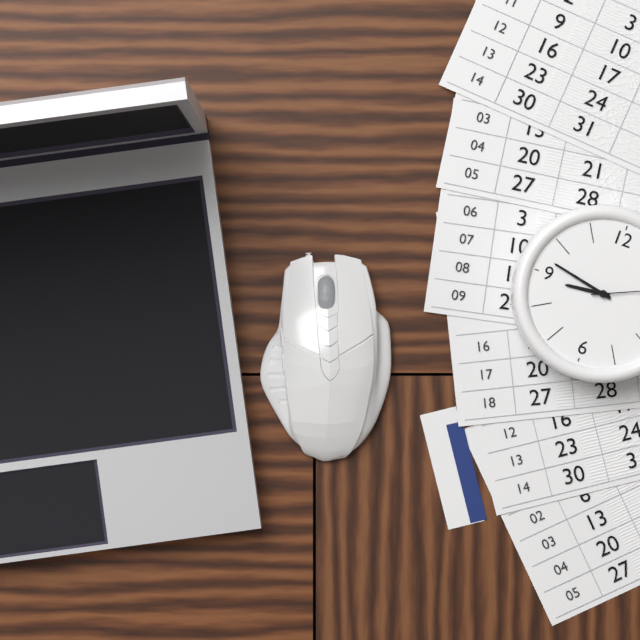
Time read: 8:47
